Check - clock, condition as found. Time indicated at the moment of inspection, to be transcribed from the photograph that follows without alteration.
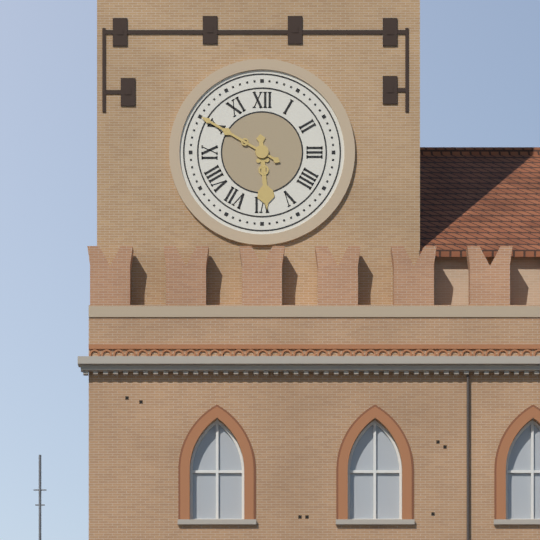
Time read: 5:50
